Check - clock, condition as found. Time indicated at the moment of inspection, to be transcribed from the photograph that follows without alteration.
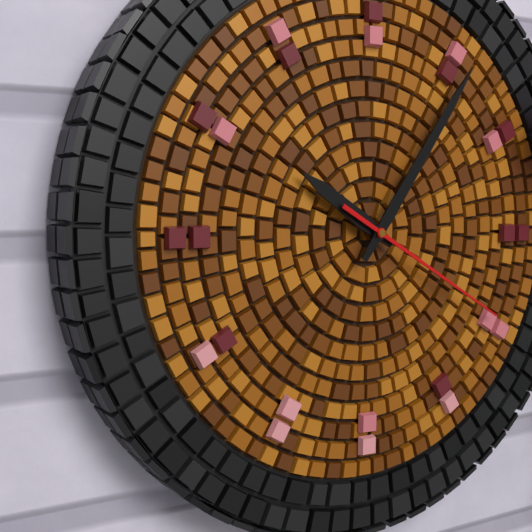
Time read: 10:06:20
